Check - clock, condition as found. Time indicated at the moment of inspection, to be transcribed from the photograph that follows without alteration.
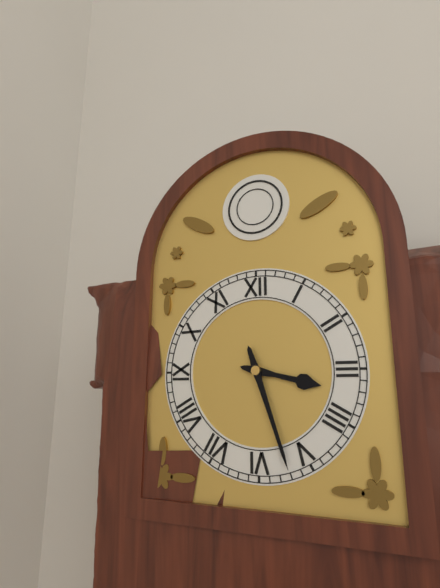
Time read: 3:27
